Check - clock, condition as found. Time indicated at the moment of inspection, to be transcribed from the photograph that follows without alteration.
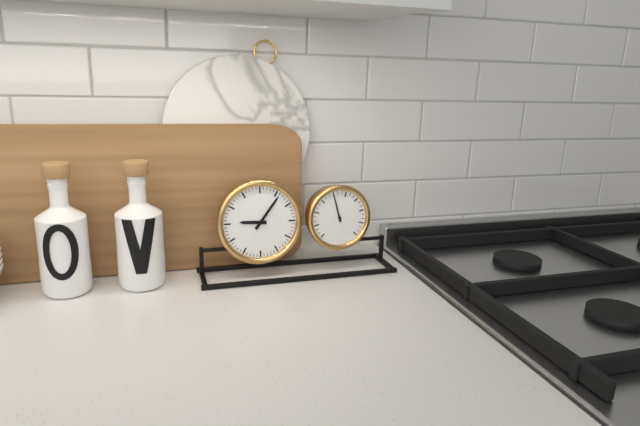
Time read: 9:06
